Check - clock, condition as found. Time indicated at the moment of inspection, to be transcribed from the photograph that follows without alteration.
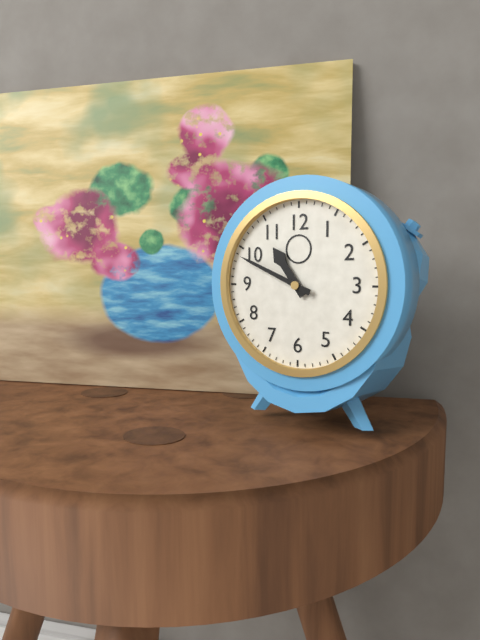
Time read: 10:49
